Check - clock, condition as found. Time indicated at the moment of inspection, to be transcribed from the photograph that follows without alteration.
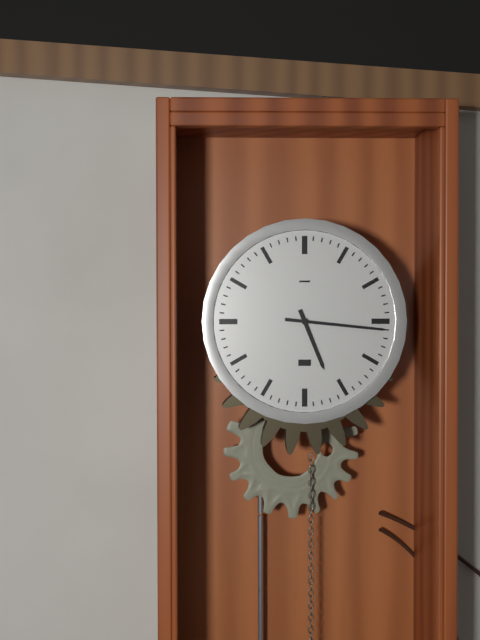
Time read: 5:16
